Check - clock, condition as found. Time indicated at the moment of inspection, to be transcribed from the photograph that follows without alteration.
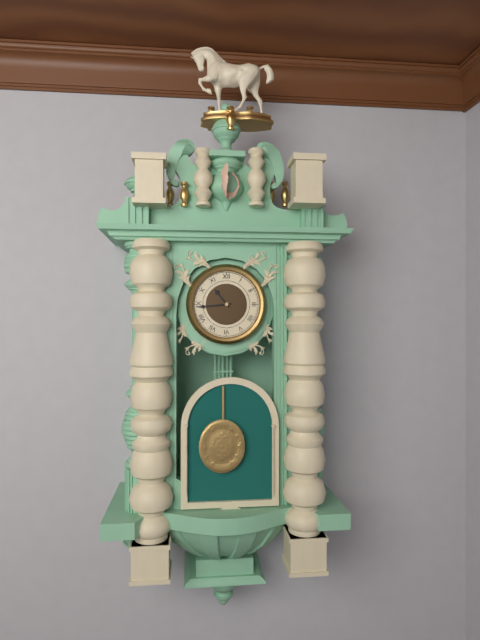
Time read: 10:44
